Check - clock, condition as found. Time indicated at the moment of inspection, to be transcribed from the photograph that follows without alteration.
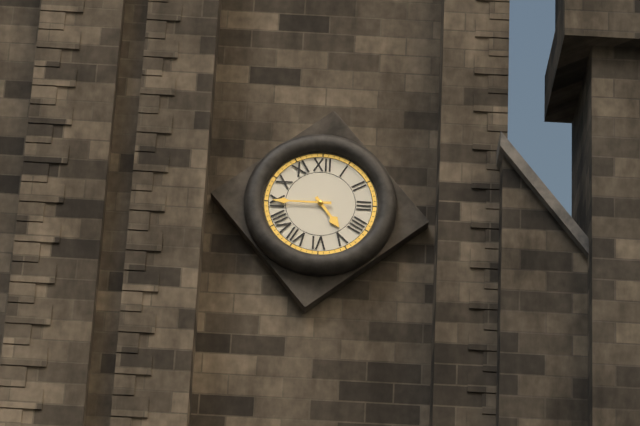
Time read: 4:45
